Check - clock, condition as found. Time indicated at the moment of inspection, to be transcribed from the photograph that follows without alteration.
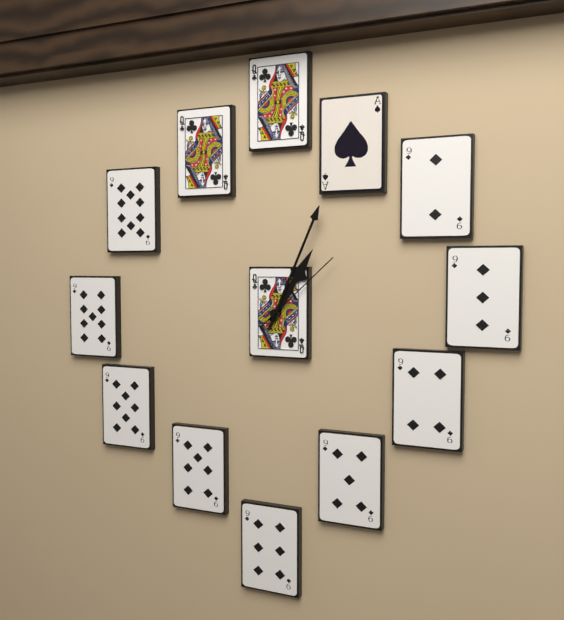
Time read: 1:04:08
